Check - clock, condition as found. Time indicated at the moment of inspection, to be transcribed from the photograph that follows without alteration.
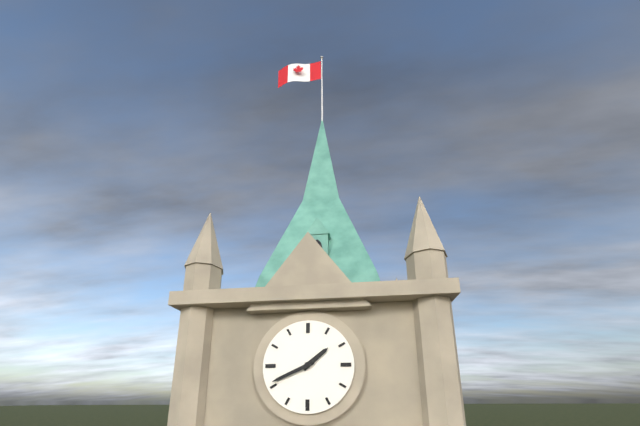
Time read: 1:41
